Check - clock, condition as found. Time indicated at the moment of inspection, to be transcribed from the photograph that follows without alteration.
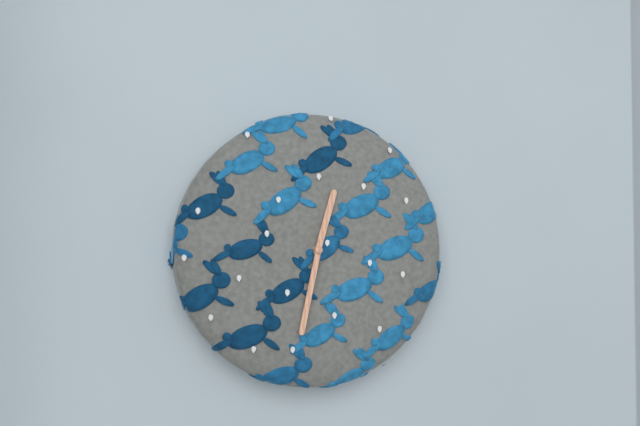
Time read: 12:32
